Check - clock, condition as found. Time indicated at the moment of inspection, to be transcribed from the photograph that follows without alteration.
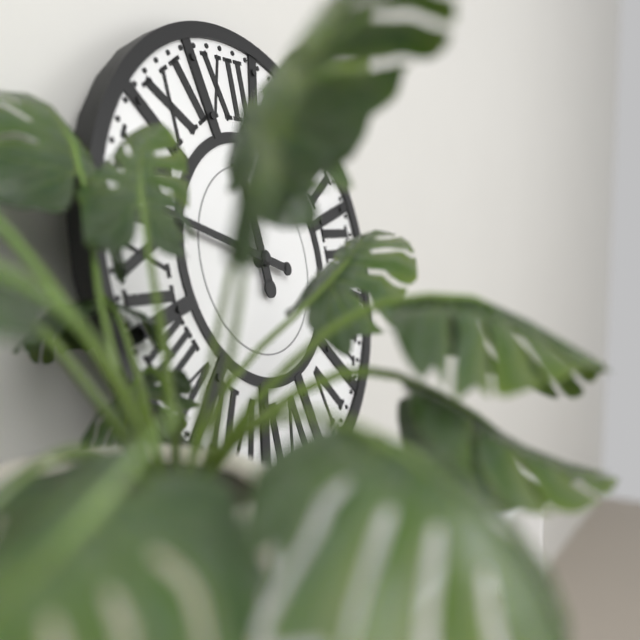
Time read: 11:48
